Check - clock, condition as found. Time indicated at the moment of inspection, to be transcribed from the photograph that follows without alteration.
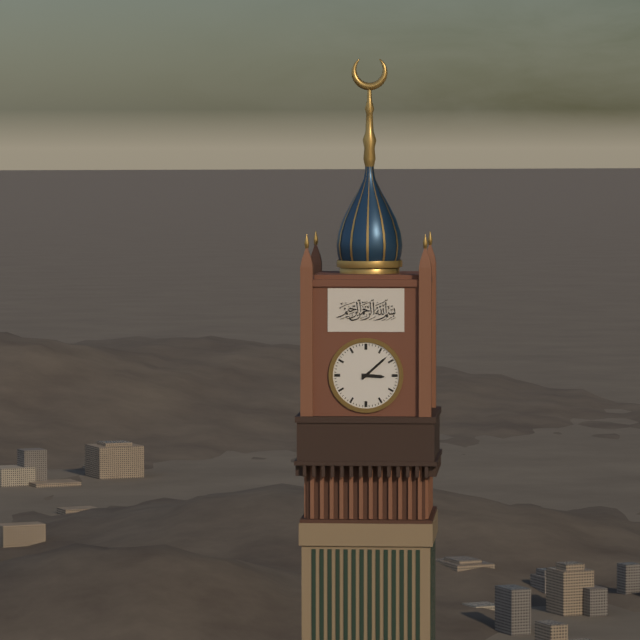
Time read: 3:08
